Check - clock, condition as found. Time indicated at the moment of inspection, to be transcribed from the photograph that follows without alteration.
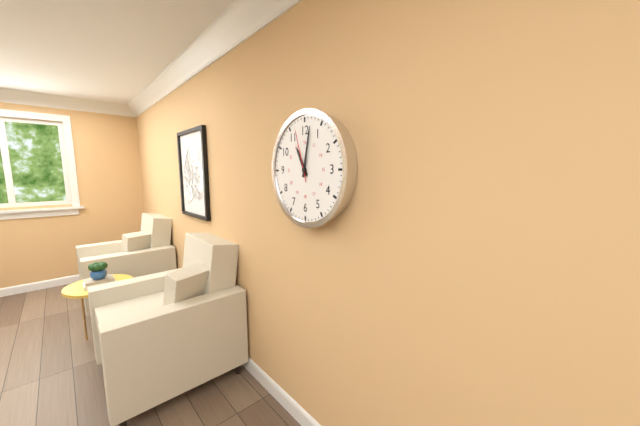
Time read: 11:02:57
